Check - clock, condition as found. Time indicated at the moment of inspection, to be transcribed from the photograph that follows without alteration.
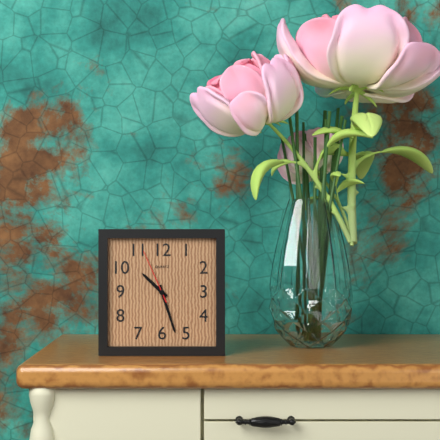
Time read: 10:27:56
